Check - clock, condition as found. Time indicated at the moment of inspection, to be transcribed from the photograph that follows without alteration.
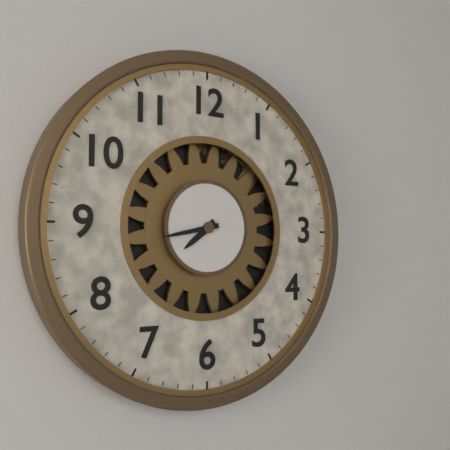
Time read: 7:43
